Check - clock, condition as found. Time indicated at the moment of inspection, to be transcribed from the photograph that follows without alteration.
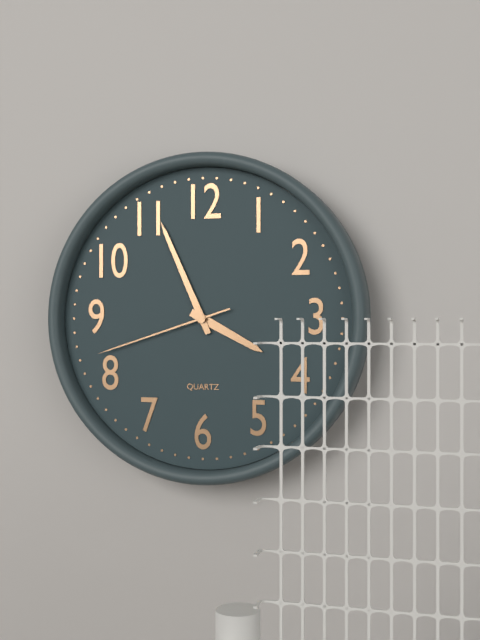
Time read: 3:56:42
